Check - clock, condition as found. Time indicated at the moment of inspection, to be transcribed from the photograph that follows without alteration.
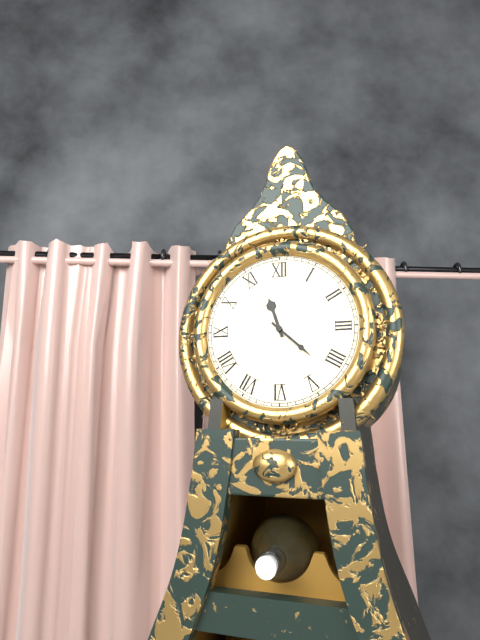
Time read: 11:22
